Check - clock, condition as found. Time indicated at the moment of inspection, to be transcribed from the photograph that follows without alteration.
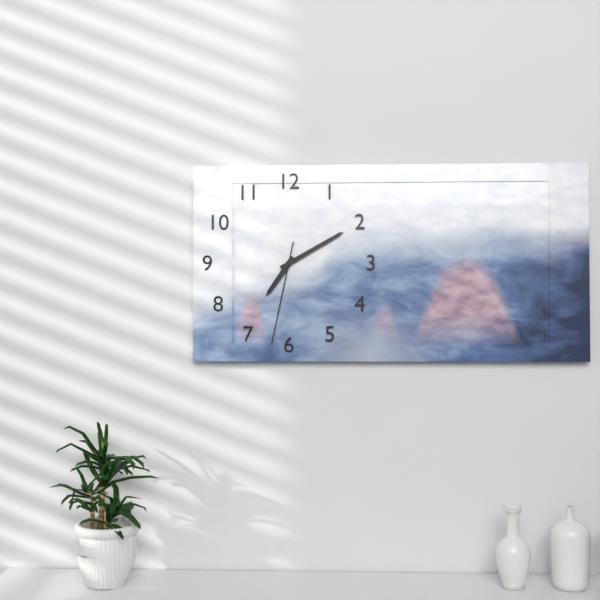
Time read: 7:10:32
